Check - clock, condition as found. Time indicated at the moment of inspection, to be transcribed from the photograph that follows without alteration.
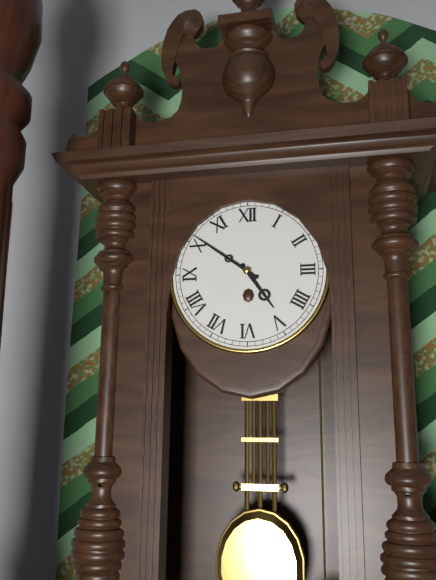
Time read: 4:51
